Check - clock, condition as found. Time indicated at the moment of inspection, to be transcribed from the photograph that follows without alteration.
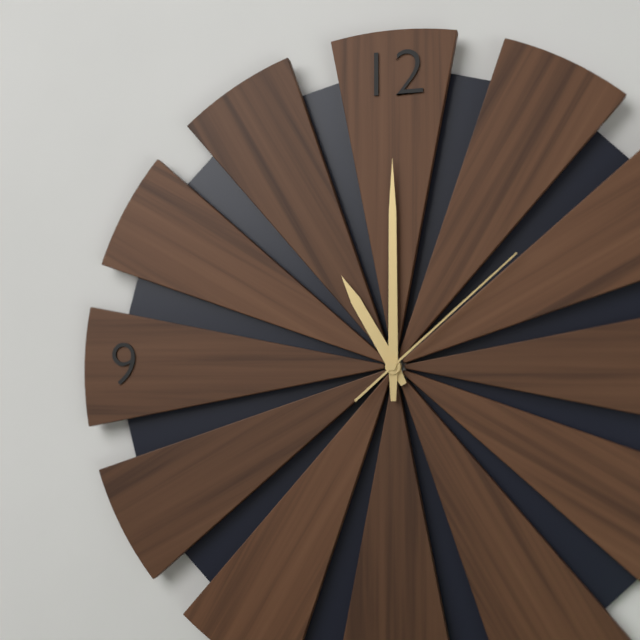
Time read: 11:00:08
